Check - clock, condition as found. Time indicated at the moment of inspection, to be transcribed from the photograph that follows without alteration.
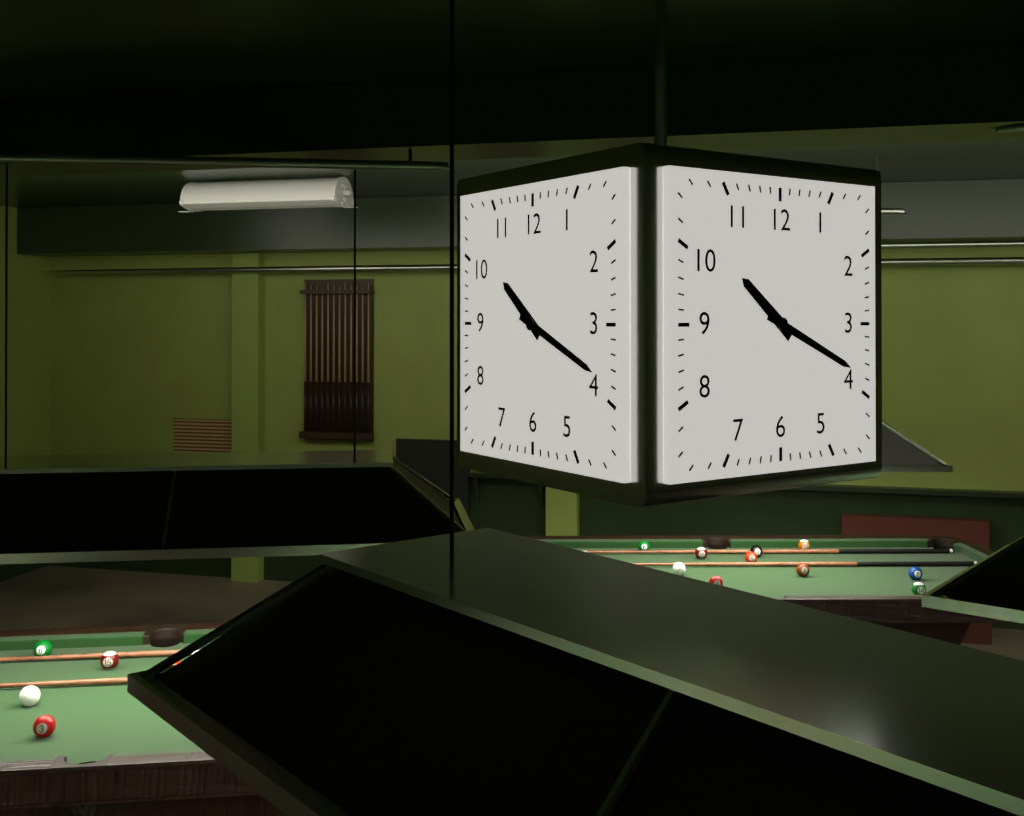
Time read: 10:19
